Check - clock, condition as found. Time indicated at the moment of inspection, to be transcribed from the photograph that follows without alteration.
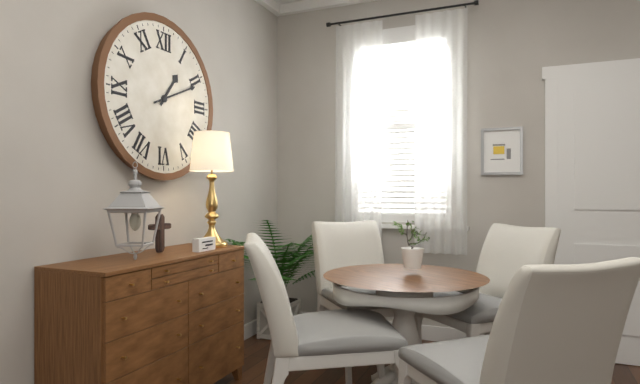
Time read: 1:11
